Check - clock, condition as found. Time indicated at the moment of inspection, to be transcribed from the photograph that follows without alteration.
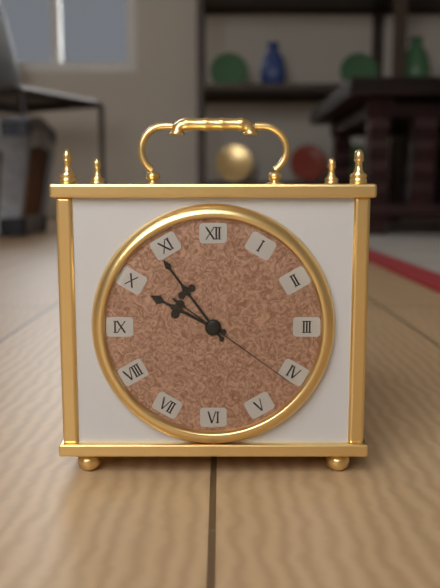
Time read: 9:54:21
